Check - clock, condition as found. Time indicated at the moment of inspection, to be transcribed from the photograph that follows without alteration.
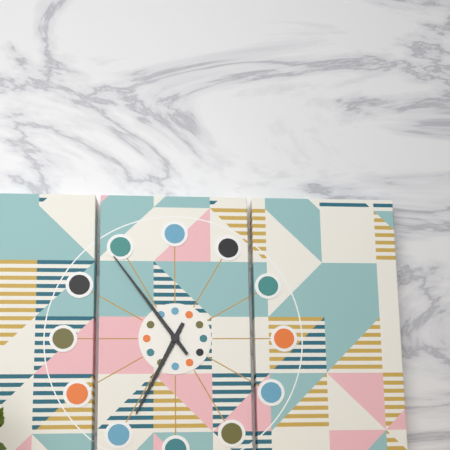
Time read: 6:54
